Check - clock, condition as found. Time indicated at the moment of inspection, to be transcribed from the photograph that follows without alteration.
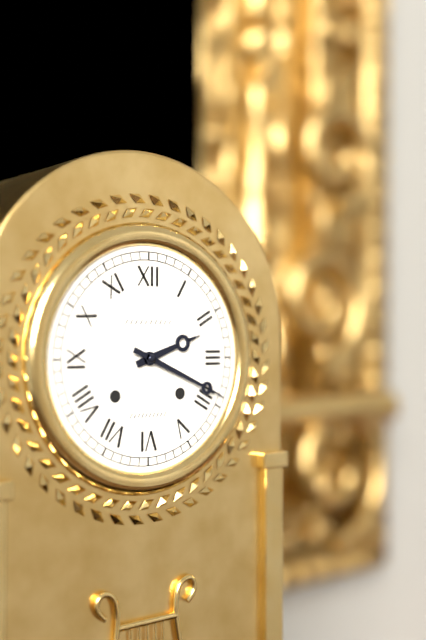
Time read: 2:19
